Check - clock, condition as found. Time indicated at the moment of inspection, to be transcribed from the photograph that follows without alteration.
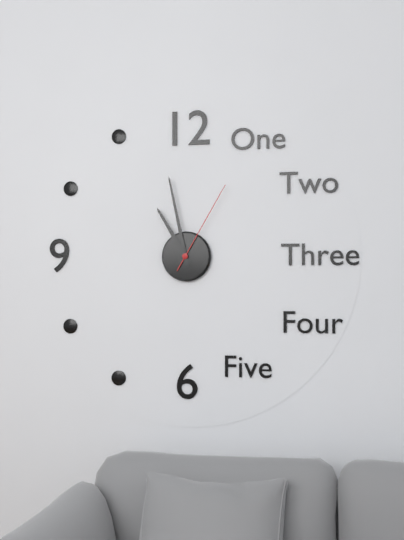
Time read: 10:58:05
